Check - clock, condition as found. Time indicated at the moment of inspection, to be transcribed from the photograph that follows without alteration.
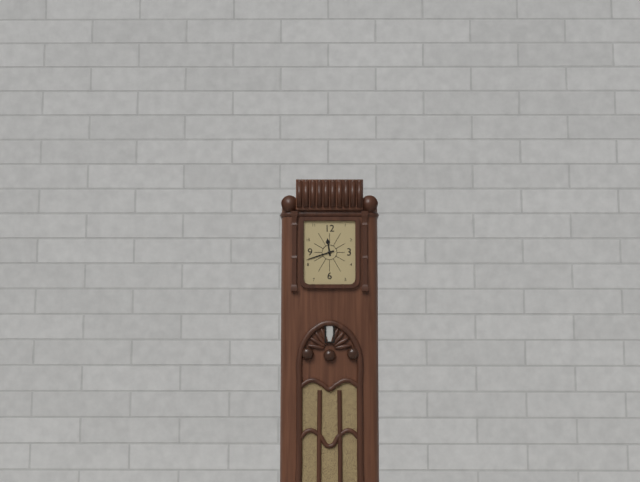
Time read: 11:42
